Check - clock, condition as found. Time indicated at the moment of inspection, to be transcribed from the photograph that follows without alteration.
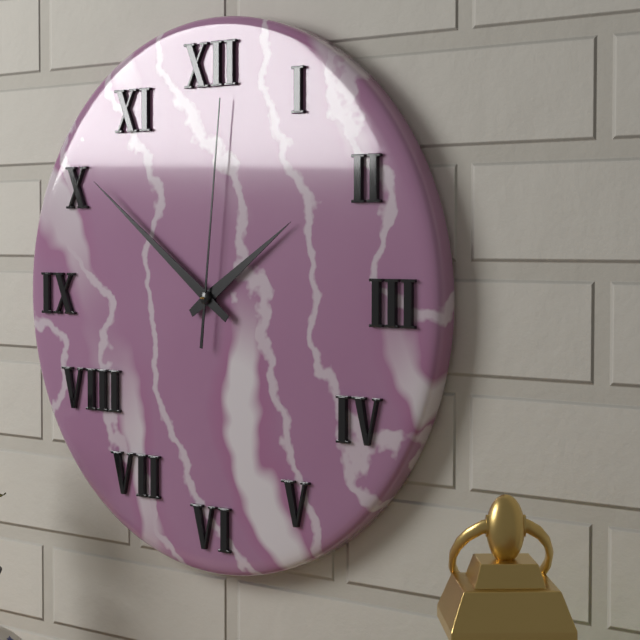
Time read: 1:51:01
